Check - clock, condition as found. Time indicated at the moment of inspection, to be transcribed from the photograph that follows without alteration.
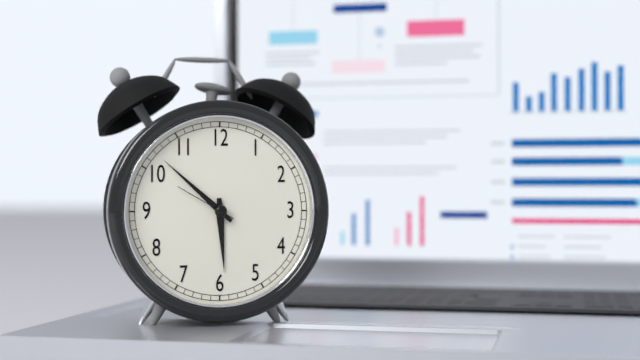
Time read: 5:52:50
